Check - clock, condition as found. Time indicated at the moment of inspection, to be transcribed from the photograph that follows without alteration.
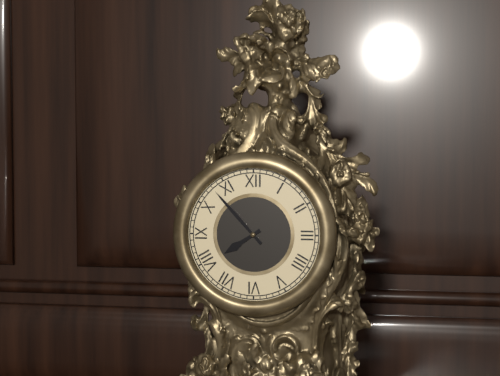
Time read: 7:53
